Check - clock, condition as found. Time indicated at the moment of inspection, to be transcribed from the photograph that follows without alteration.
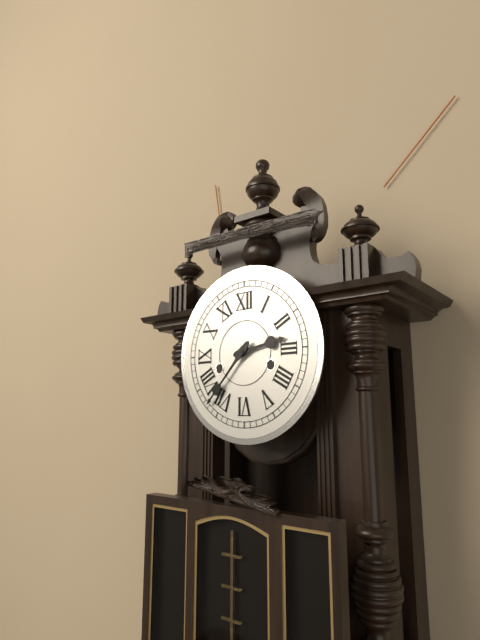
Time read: 2:37
